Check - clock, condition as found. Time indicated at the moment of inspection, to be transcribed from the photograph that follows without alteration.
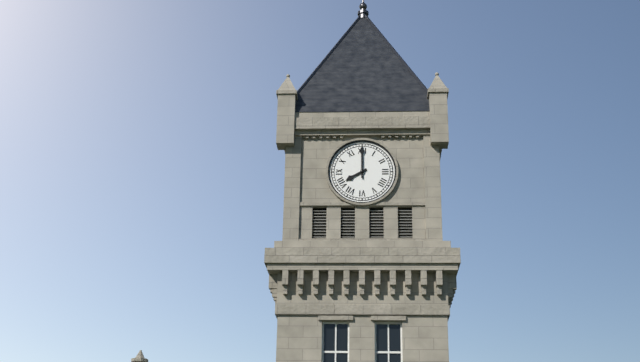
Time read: 8:00
